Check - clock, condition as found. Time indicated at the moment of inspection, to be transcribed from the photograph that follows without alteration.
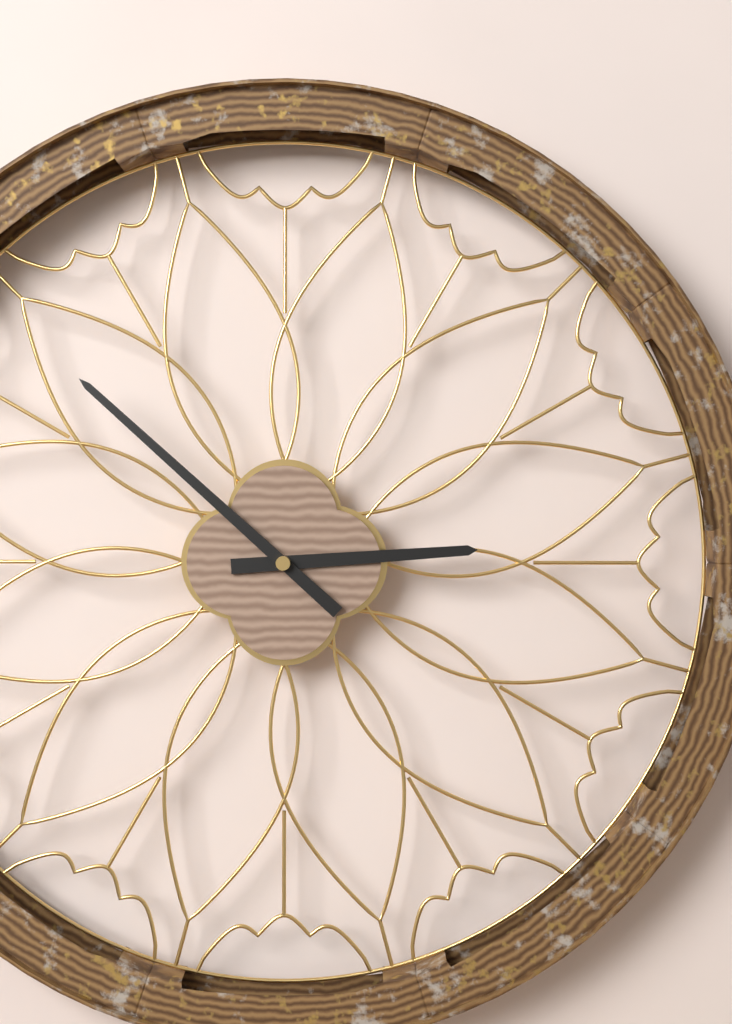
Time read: 2:52
